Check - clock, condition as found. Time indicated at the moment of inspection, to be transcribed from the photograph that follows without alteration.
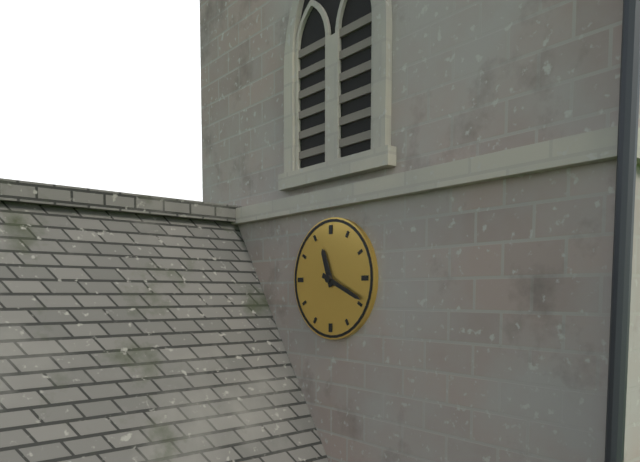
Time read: 11:19
